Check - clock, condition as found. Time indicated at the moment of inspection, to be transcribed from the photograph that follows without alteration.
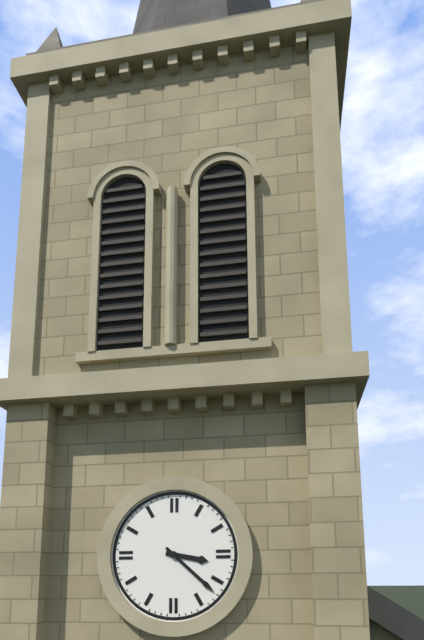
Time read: 3:22
